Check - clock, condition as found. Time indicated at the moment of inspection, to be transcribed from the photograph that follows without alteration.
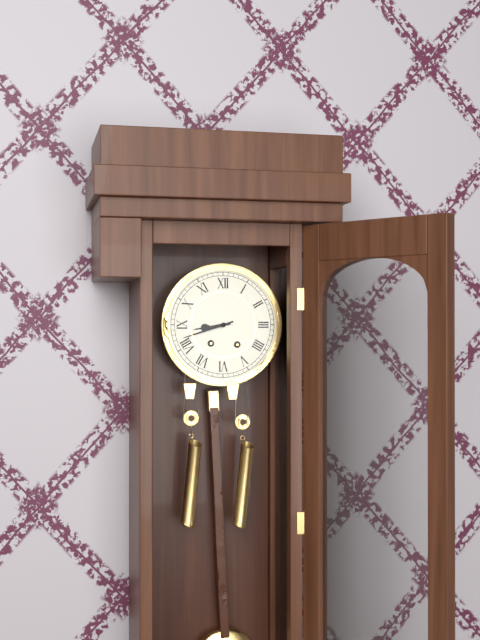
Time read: 8:42
